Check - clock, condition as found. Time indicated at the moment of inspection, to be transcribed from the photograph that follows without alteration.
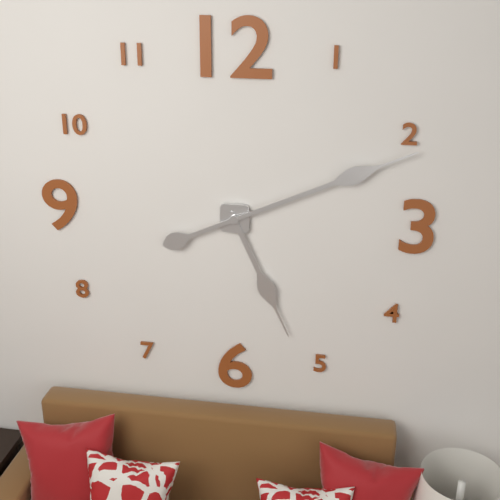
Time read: 5:11
